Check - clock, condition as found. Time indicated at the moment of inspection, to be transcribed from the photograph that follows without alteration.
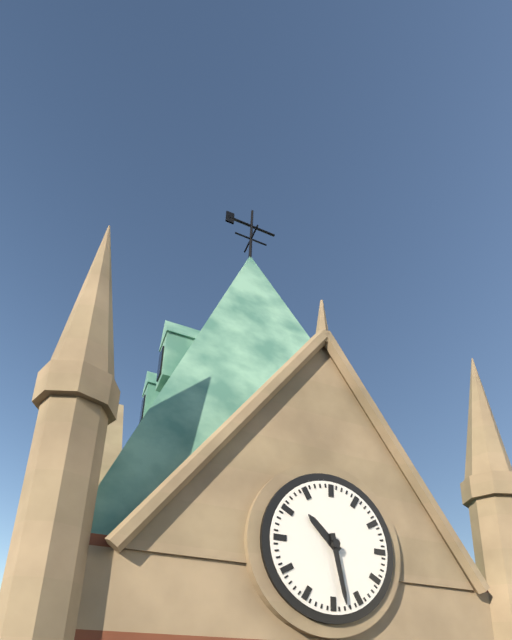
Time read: 10:28
